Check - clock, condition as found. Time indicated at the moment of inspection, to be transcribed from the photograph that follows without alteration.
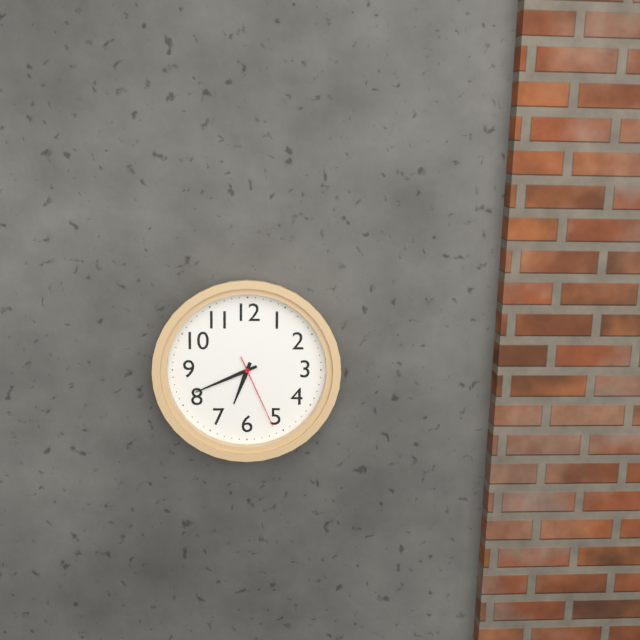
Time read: 6:41:26
